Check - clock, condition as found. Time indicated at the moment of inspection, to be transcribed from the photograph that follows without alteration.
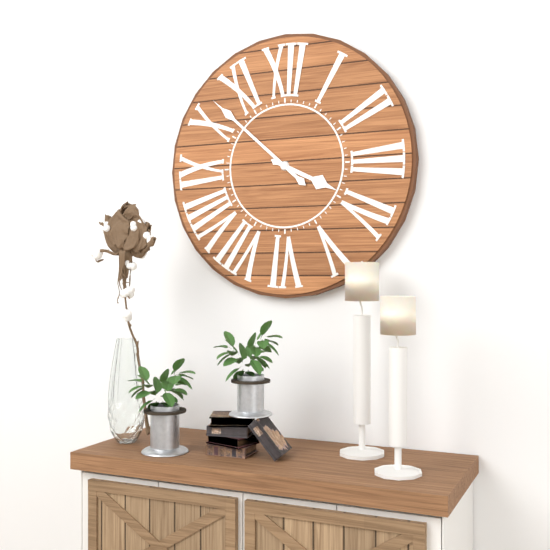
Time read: 3:52
